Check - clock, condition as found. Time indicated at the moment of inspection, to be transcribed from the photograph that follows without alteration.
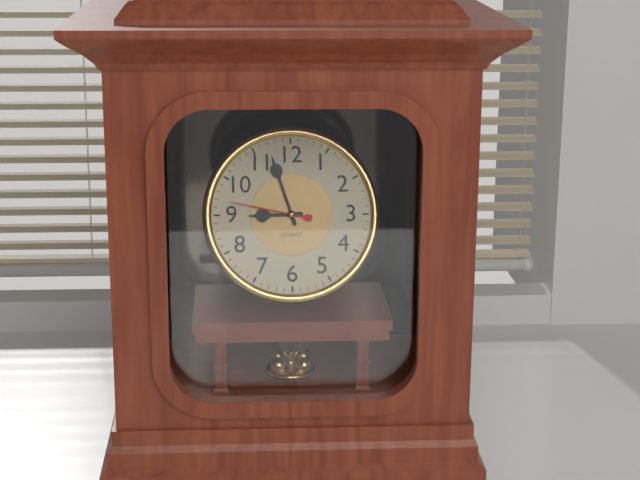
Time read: 8:57:47
